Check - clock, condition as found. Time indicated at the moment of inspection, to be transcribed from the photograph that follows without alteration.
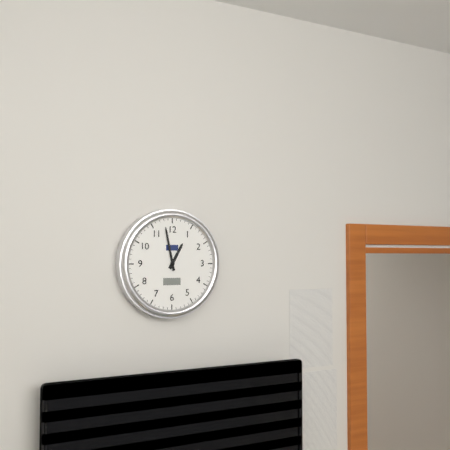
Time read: 12:58
